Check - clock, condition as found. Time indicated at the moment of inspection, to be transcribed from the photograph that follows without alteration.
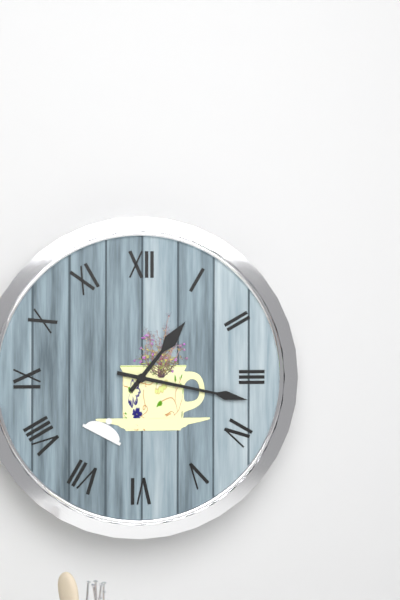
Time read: 1:17
